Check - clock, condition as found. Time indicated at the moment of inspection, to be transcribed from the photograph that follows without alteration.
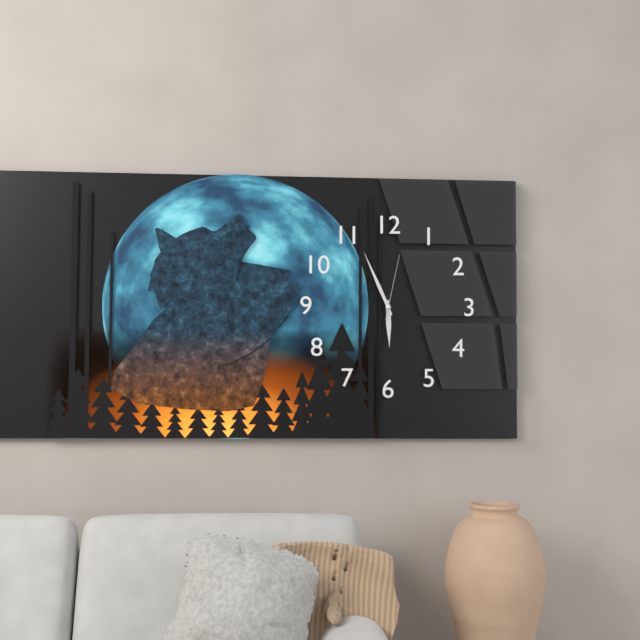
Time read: 5:56:02
